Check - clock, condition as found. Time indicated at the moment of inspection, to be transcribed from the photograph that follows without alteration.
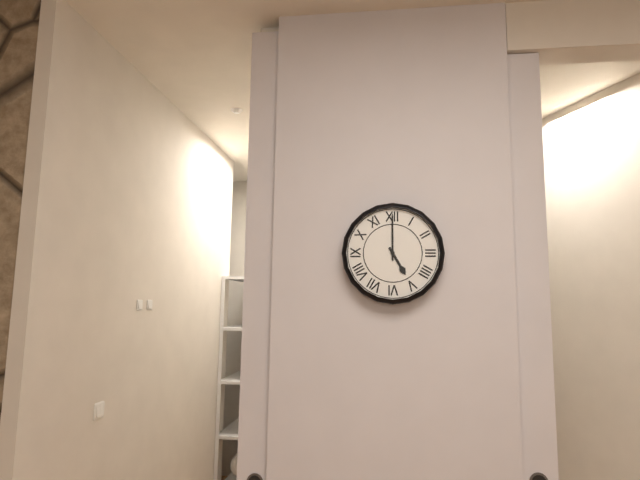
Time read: 5:00
